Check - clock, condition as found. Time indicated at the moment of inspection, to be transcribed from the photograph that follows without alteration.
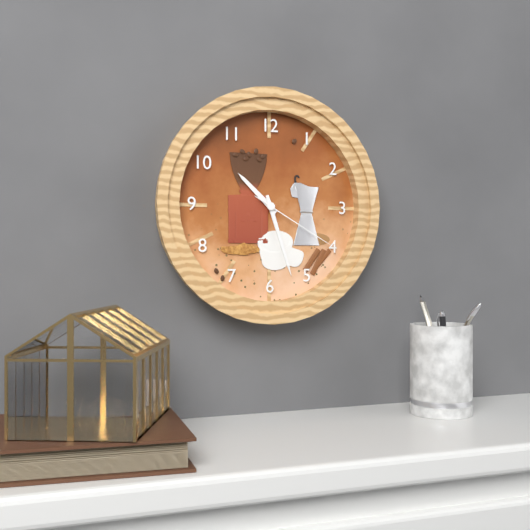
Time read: 10:27:20
